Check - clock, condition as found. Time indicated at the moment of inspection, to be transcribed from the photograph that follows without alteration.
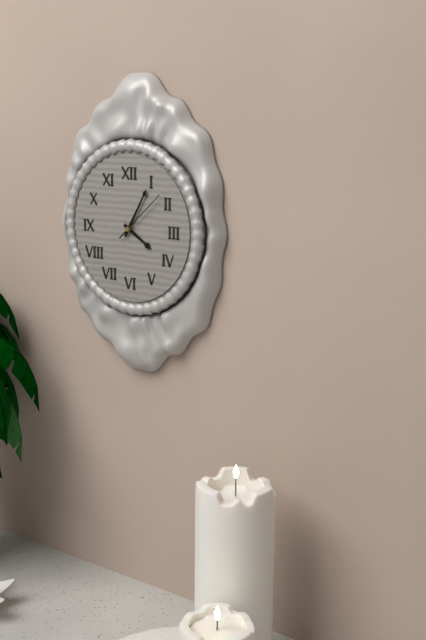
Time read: 4:05:08
